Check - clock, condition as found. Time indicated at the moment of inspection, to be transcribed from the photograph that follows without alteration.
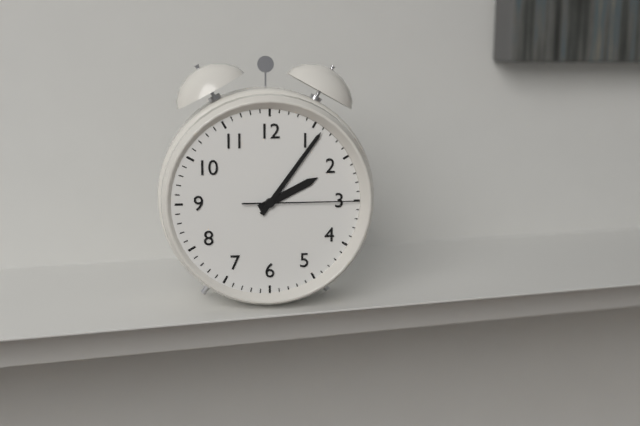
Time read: 2:06:15
